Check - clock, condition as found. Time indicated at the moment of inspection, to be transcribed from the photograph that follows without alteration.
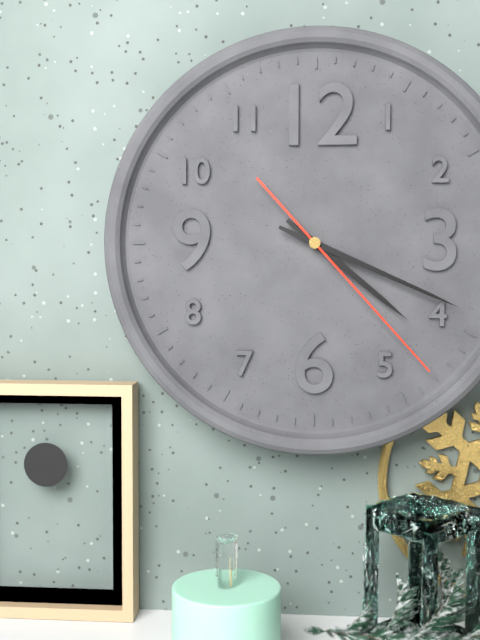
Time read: 4:19:23
